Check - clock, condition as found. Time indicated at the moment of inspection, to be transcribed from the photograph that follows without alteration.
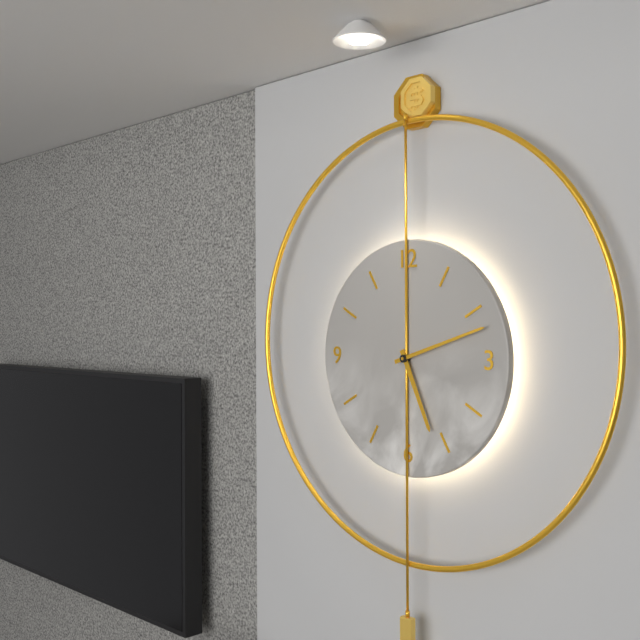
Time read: 5:12
